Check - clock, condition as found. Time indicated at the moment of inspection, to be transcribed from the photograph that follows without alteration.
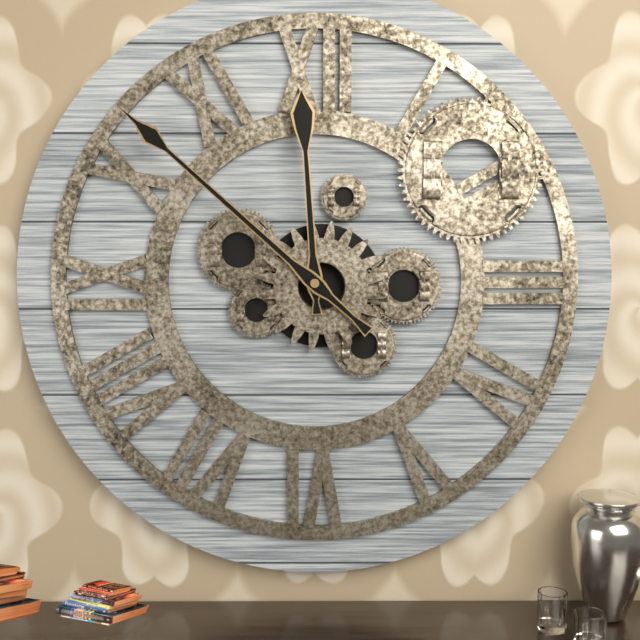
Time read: 11:52
